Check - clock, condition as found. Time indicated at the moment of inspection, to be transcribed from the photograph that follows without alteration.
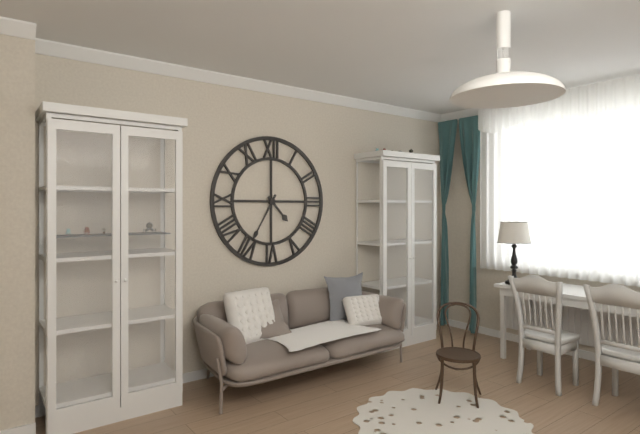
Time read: 4:35
